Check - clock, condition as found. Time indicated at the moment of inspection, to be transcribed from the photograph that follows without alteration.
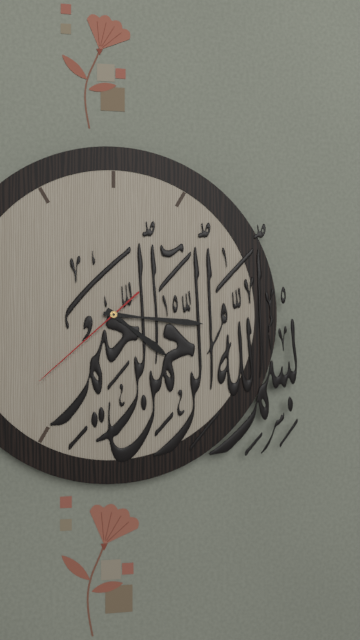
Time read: 4:16:38
